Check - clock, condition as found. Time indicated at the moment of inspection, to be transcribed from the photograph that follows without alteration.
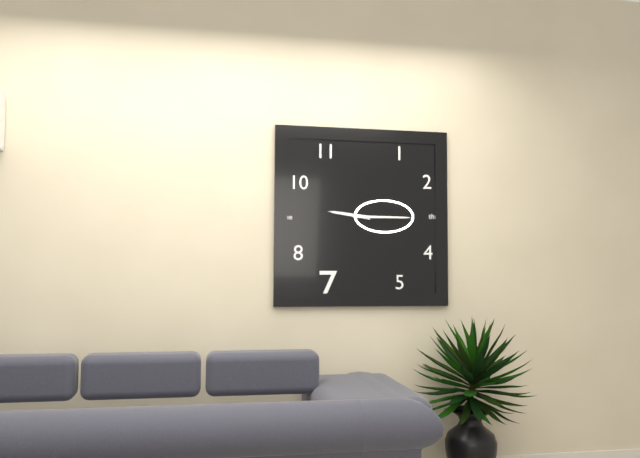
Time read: 9:15
